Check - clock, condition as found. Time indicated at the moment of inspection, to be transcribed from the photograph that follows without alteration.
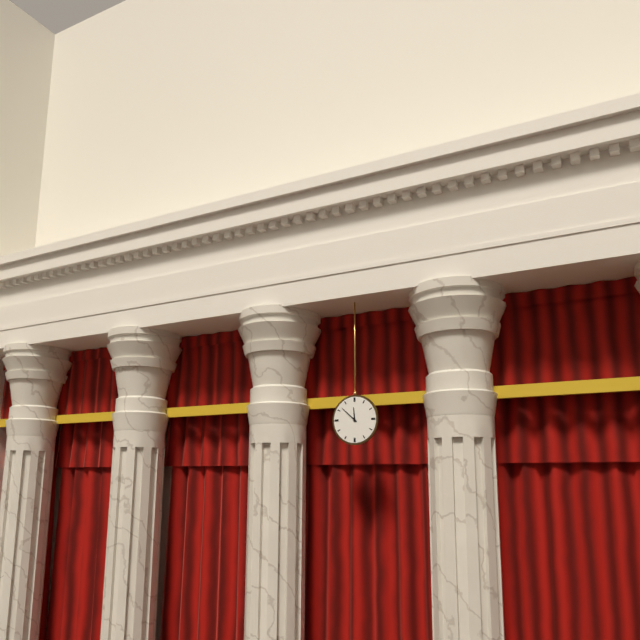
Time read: 11:52
